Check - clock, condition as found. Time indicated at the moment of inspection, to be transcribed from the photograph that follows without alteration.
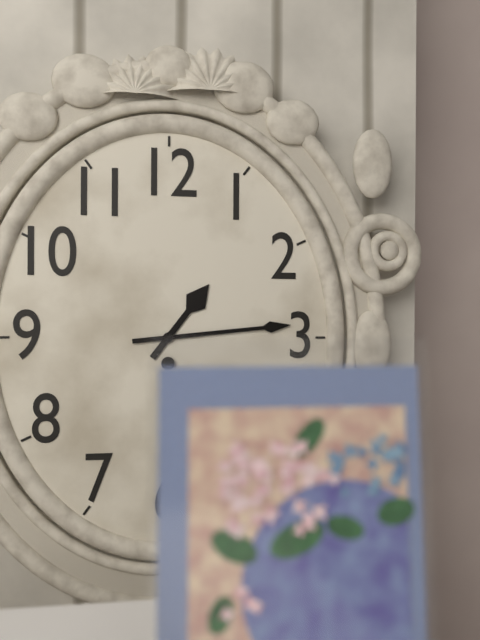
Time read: 1:14
